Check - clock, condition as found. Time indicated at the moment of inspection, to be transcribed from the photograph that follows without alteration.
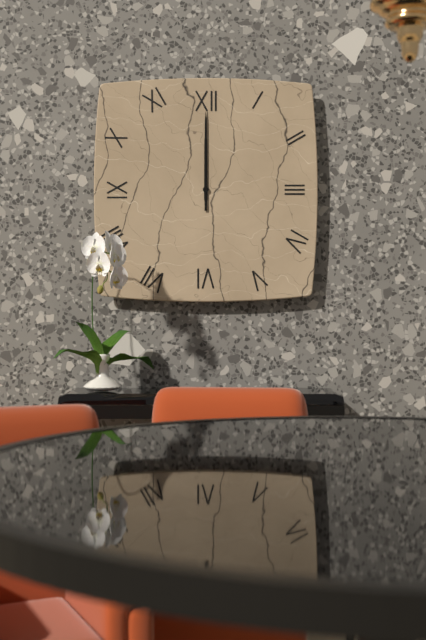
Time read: 12:00
